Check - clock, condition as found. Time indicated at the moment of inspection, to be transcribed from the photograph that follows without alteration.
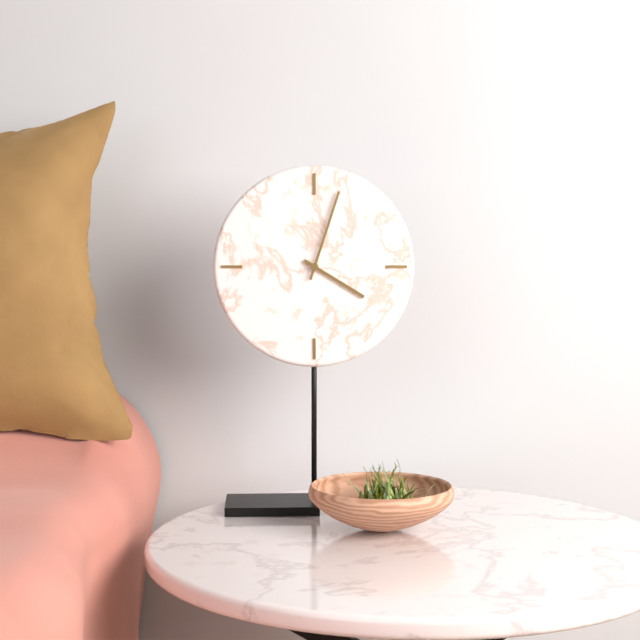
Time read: 4:03
